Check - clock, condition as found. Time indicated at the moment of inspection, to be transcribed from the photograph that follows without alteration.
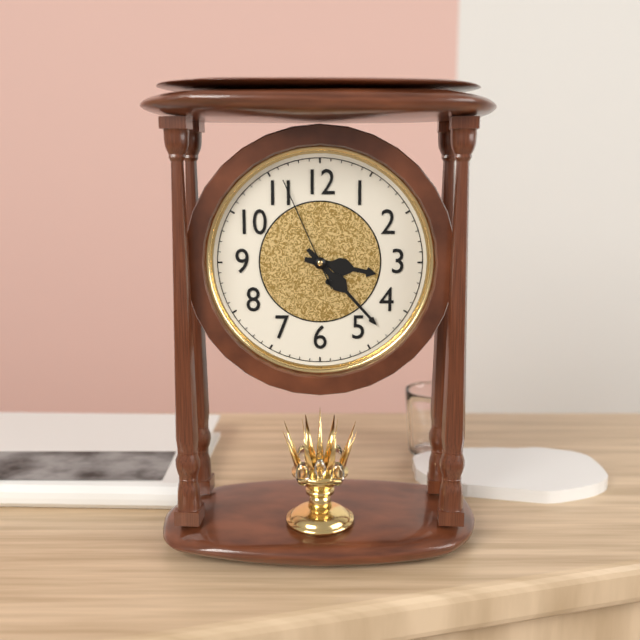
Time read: 3:23:56
